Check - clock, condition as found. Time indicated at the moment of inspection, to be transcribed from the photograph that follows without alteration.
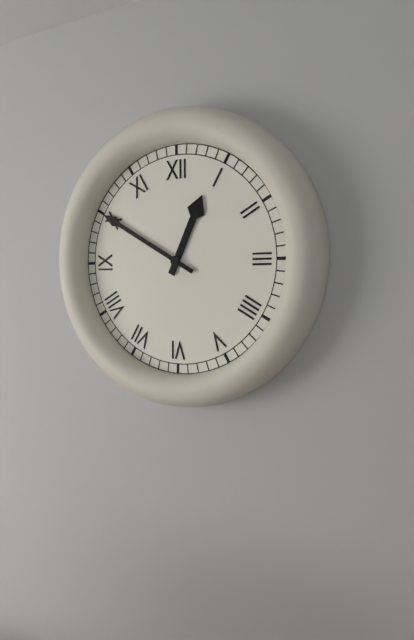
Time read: 12:50
